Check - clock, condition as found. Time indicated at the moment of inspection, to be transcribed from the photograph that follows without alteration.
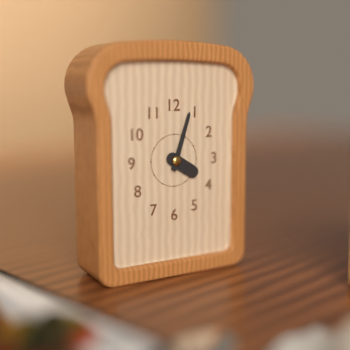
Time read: 4:03
